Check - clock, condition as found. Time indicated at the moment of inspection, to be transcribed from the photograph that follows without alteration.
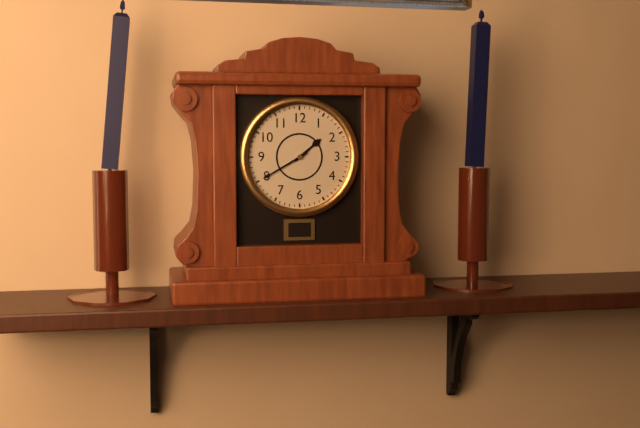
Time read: 1:40
